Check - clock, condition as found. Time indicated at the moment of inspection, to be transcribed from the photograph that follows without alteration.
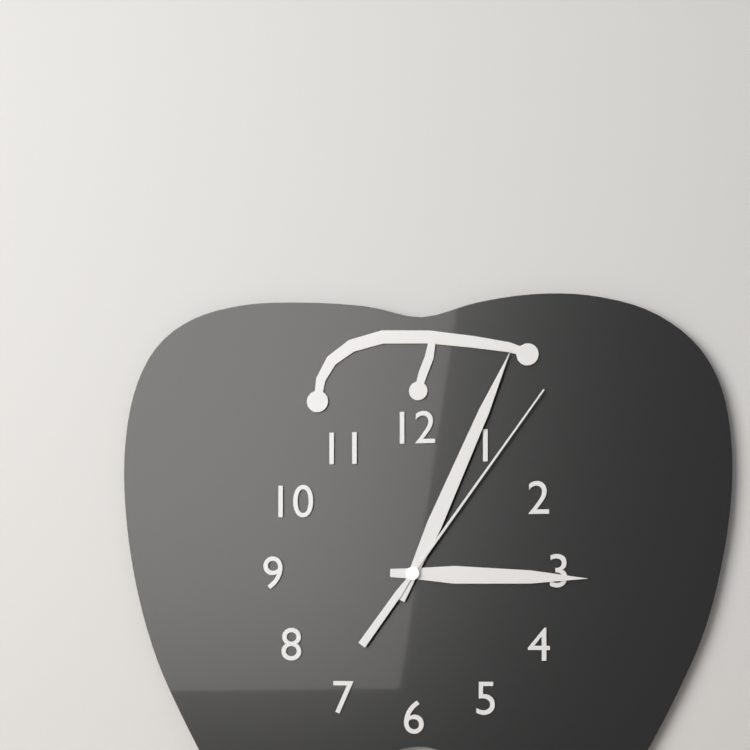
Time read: 3:04:06
